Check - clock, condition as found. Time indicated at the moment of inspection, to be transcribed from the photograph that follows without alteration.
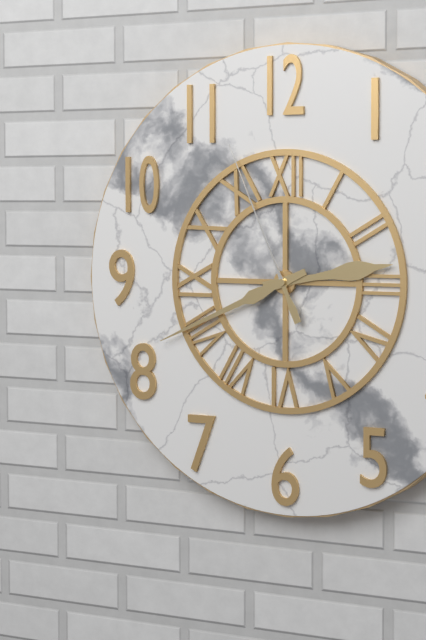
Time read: 2:41:56
